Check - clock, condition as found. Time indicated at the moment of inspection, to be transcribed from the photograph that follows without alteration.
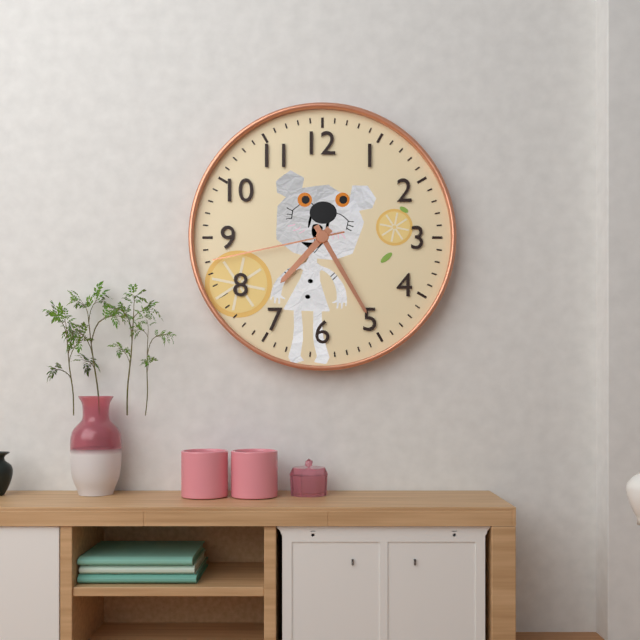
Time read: 7:25:43
